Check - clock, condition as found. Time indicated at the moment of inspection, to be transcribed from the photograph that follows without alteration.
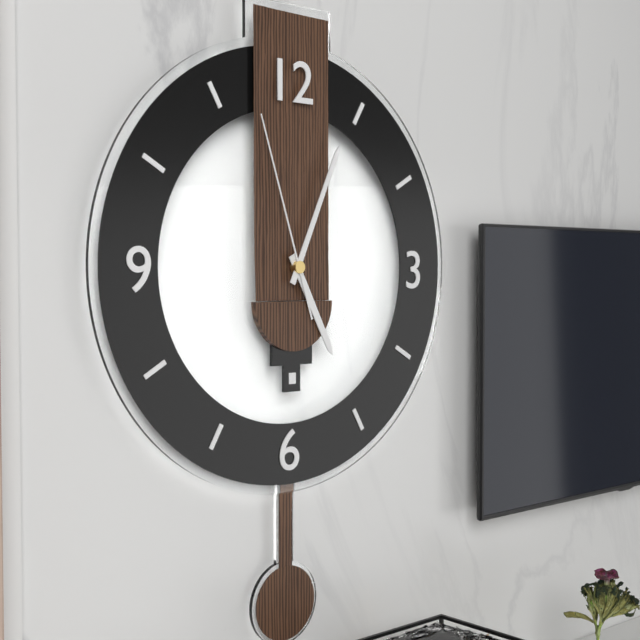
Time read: 5:04:57
